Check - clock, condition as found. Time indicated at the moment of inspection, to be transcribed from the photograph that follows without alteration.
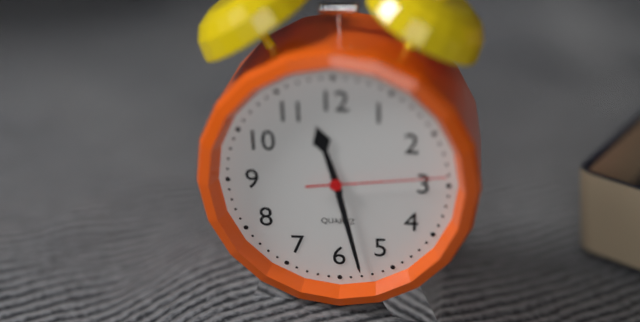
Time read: 11:28:14
